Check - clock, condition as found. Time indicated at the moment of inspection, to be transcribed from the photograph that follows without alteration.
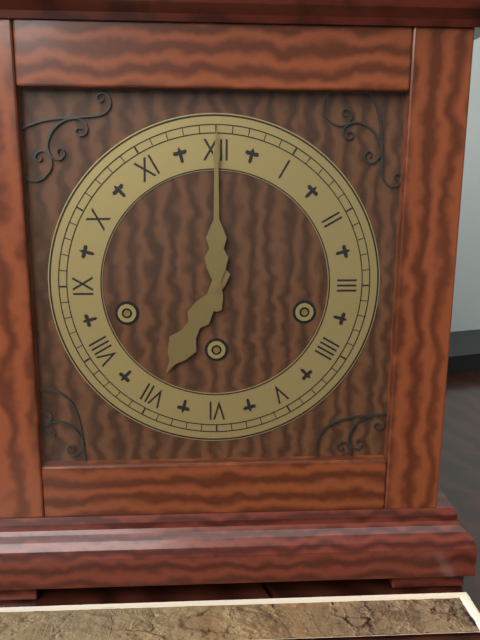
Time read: 7:00
